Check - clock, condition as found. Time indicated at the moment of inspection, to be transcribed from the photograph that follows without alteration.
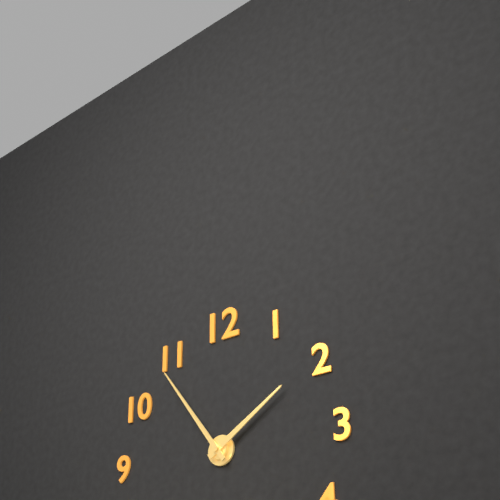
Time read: 1:54
